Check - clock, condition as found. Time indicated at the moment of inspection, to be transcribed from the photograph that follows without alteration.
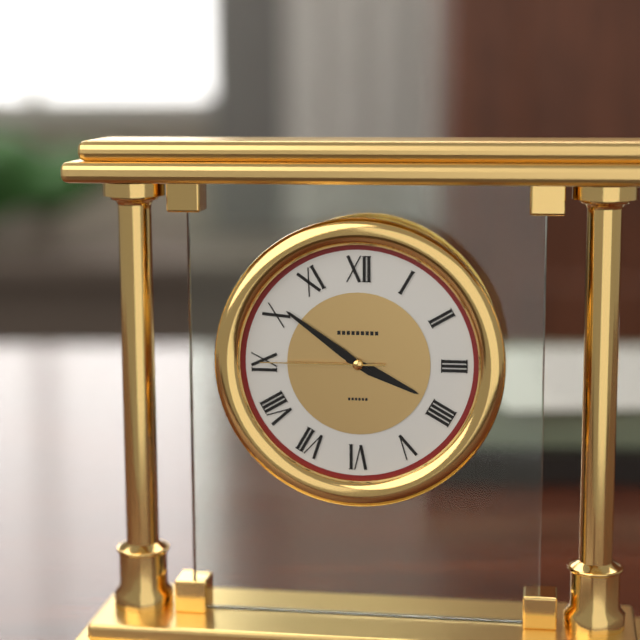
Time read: 3:51:45
